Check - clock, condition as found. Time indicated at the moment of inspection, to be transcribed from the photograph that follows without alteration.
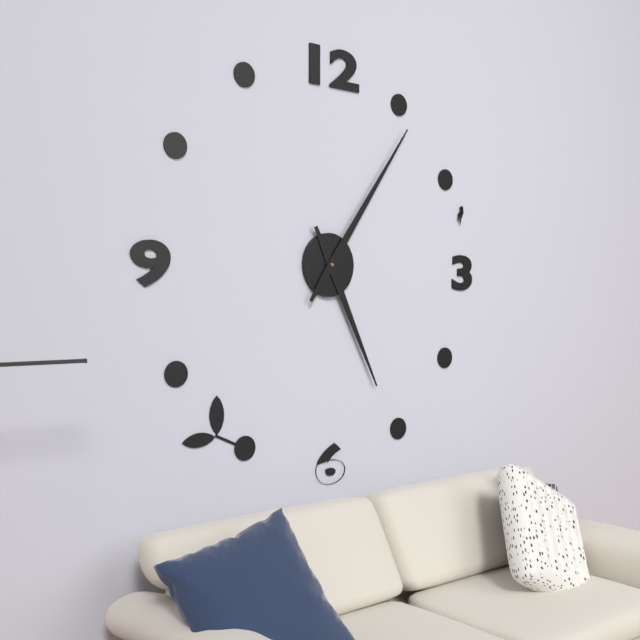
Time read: 5:06
